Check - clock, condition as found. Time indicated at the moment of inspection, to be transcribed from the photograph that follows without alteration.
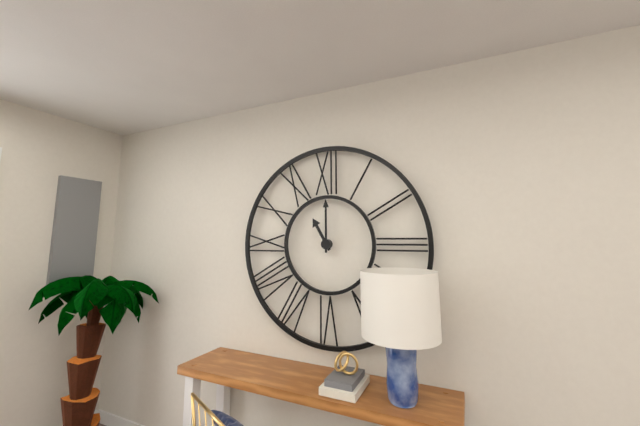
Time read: 11:00
